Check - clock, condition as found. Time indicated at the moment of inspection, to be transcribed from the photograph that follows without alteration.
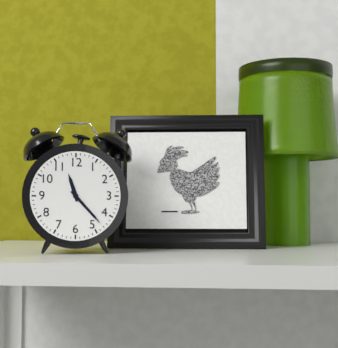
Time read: 11:23
